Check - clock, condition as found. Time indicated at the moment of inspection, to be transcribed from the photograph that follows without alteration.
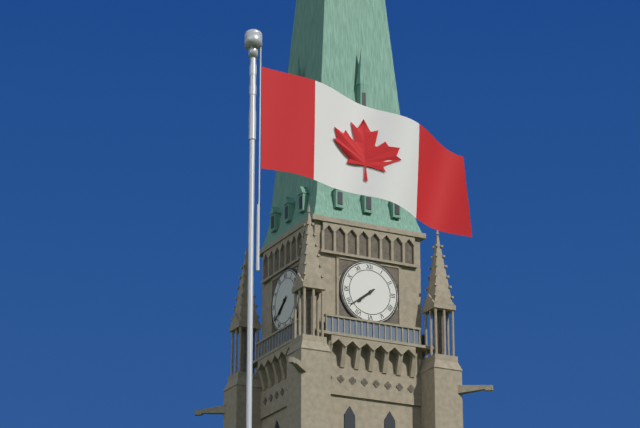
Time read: 7:39
